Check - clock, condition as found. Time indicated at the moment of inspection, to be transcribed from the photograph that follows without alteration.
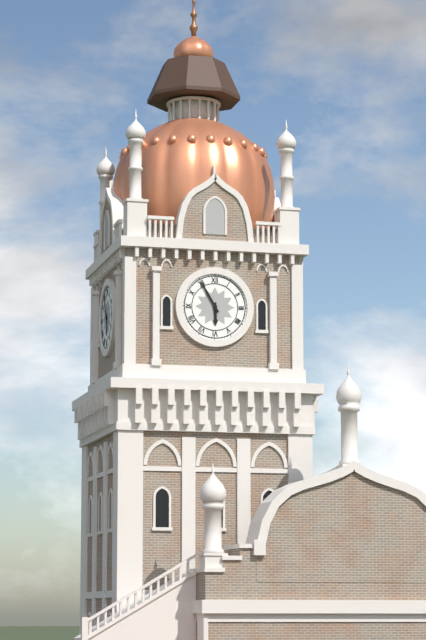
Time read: 5:55
